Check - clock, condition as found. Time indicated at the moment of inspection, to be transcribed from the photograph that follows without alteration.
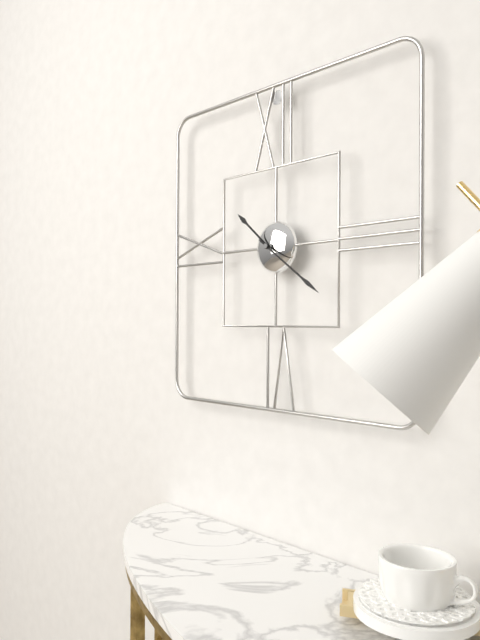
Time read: 10:21
